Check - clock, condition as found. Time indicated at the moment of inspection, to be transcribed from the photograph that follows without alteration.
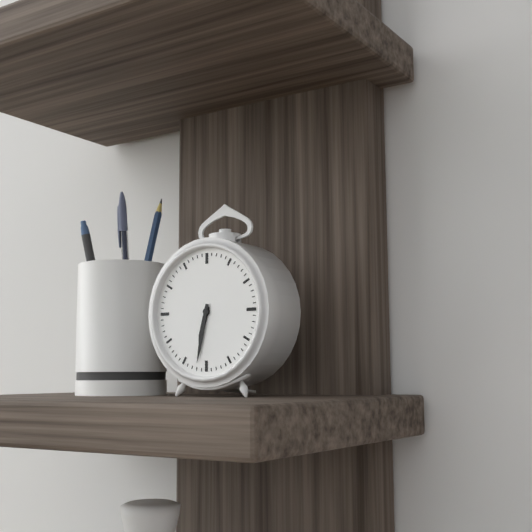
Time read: 6:32
